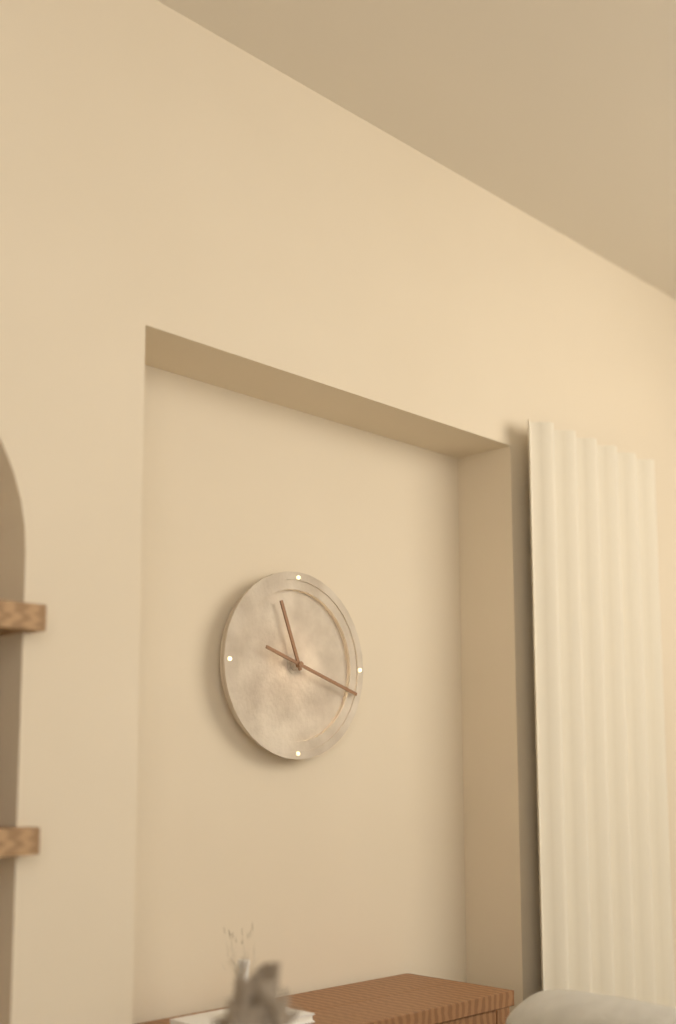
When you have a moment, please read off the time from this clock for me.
11:18
